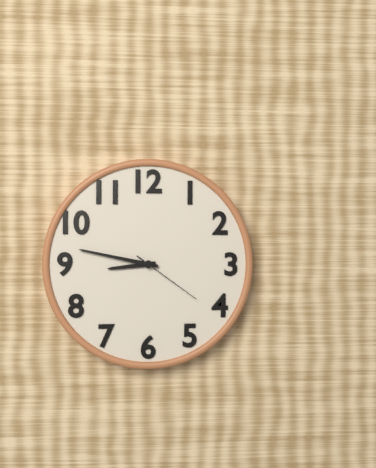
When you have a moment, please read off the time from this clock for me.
8:47:21
